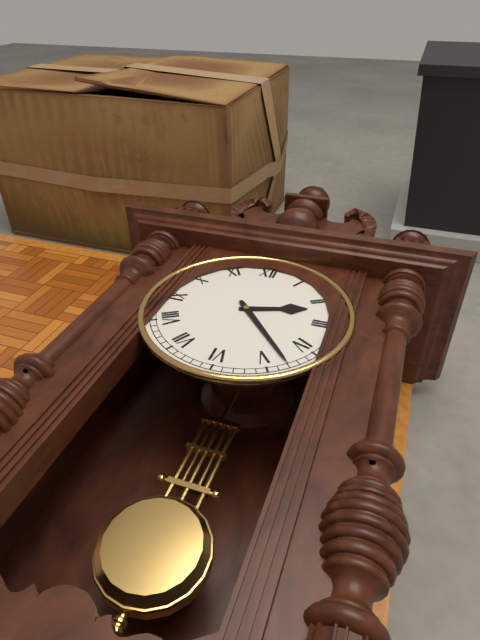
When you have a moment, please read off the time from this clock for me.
2:23
